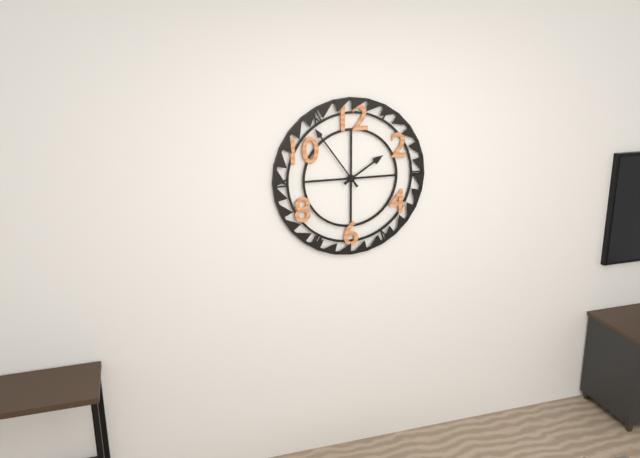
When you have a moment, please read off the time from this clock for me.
1:54
